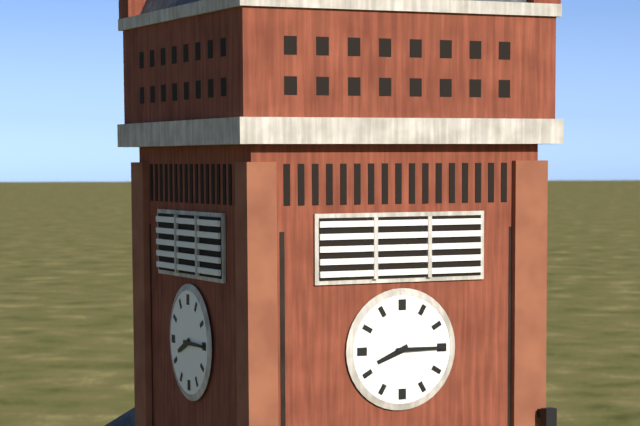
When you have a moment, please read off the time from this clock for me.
8:15
